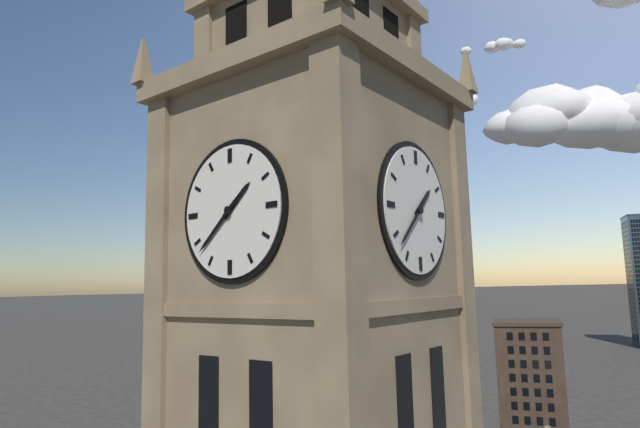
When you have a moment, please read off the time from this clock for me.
1:38
